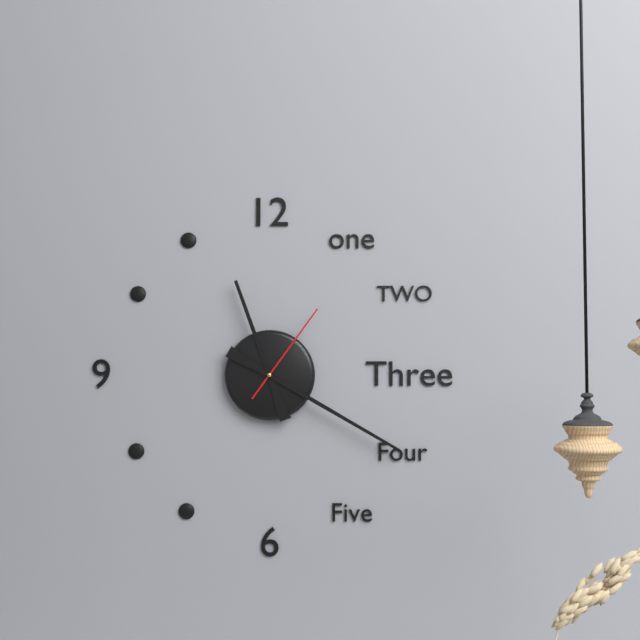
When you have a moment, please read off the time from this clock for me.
11:20:06
